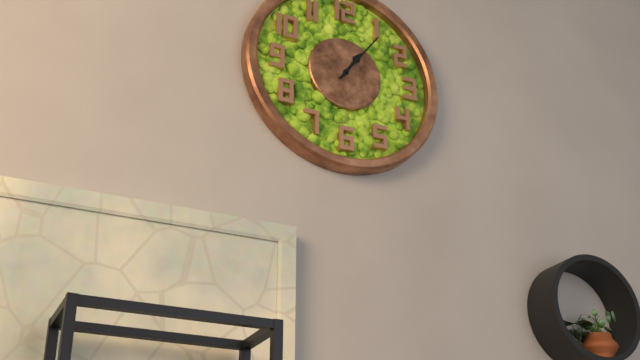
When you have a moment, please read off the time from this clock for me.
1:06
